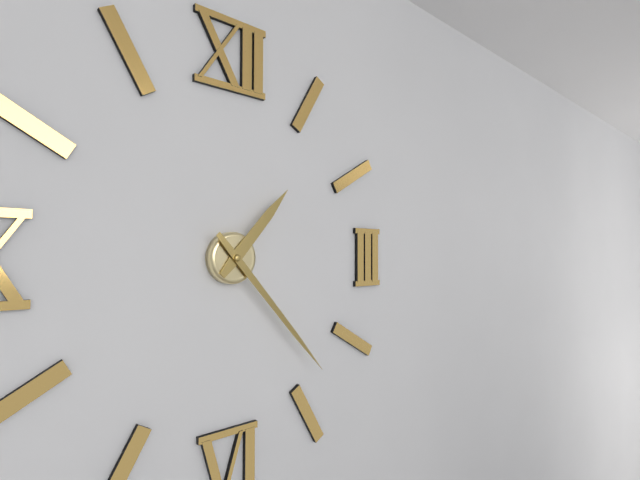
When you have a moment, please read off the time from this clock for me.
1:23
